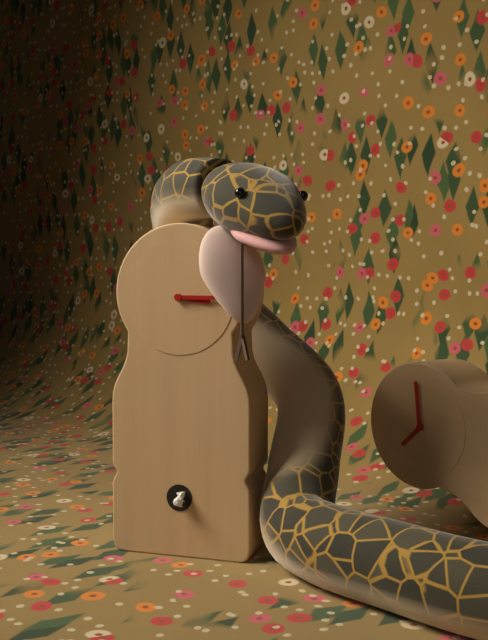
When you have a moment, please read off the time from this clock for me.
3:15
